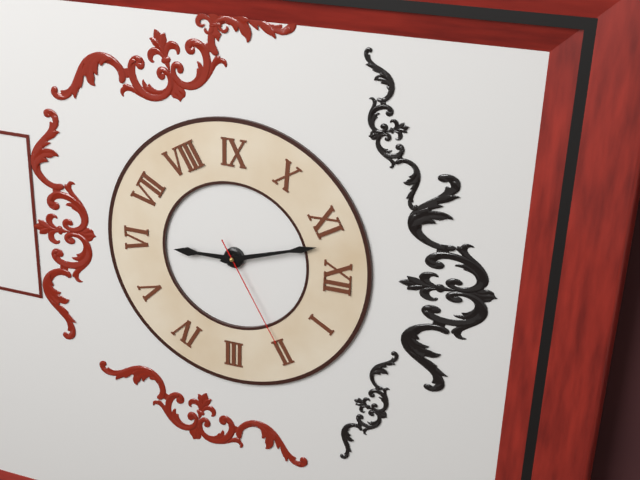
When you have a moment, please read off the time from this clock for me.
5:57:10
